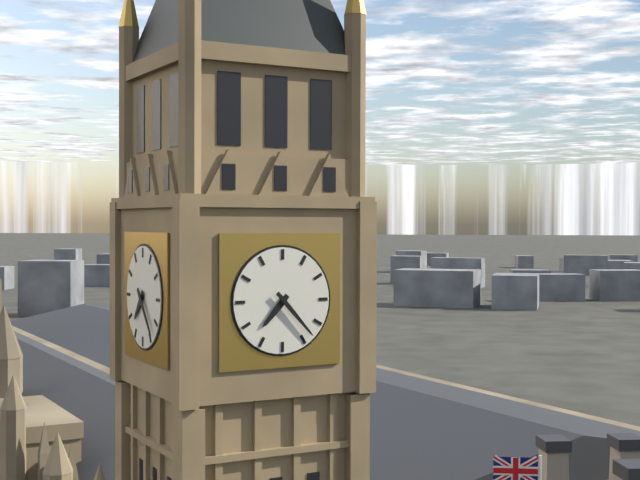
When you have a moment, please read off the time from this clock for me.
7:23
